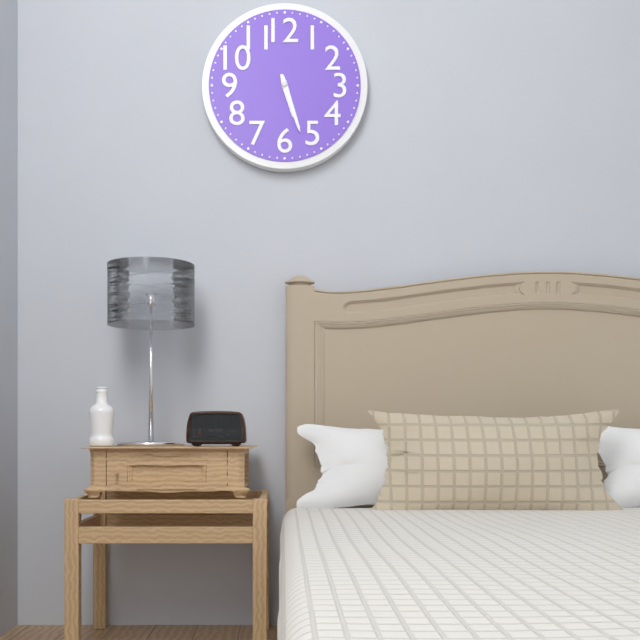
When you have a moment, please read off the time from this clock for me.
5:27
